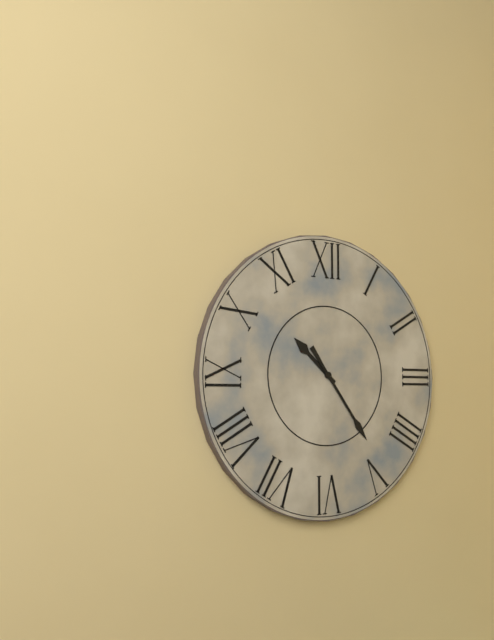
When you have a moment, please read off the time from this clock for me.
10:24
